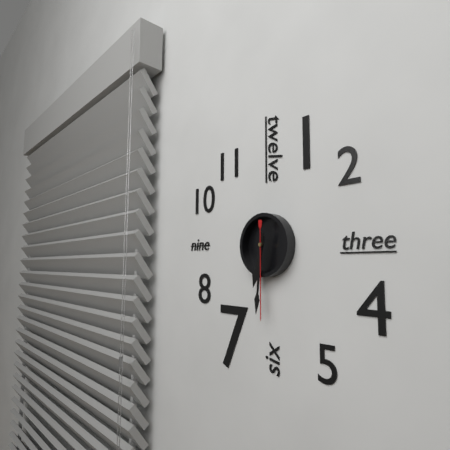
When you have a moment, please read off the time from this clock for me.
6:31:30
